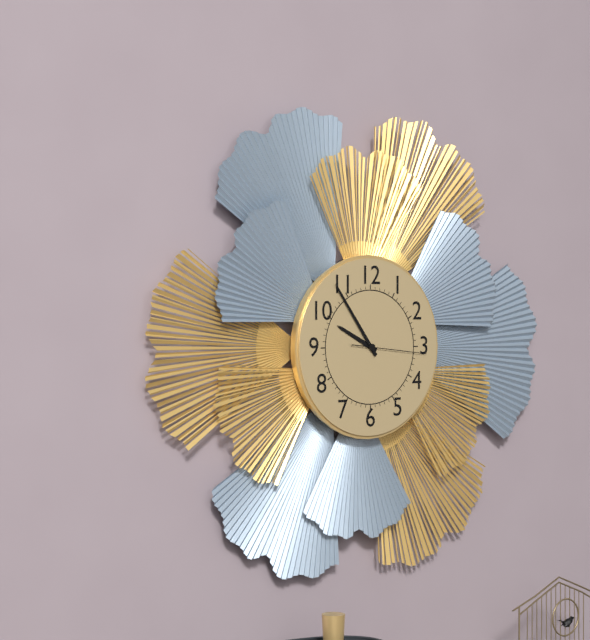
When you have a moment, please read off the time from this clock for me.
9:54:16
